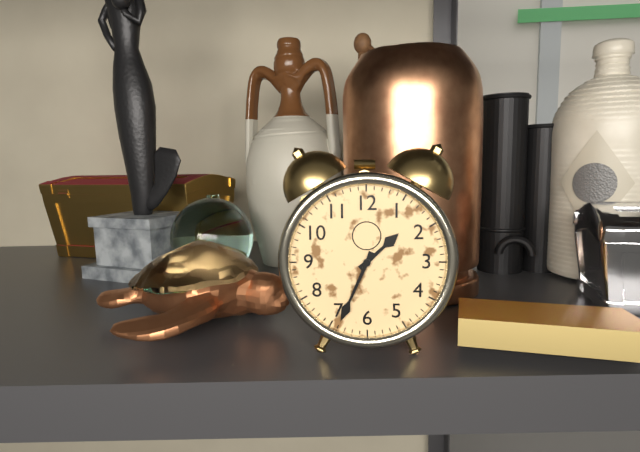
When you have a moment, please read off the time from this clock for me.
1:34
